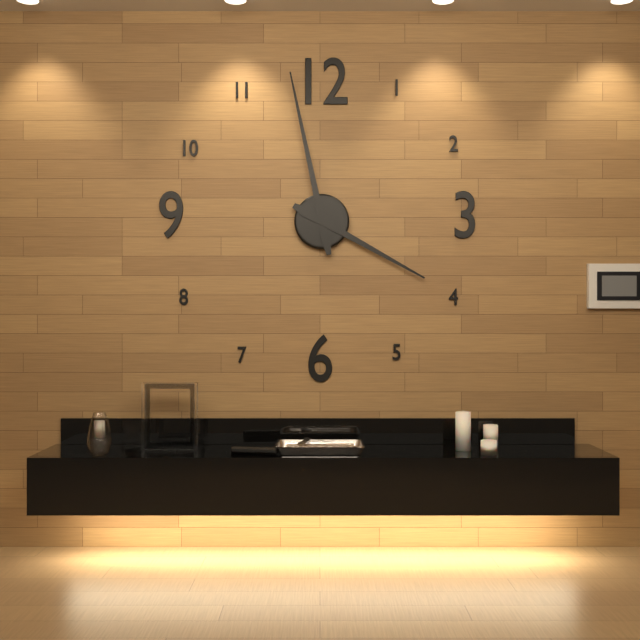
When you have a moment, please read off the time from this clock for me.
3:58
